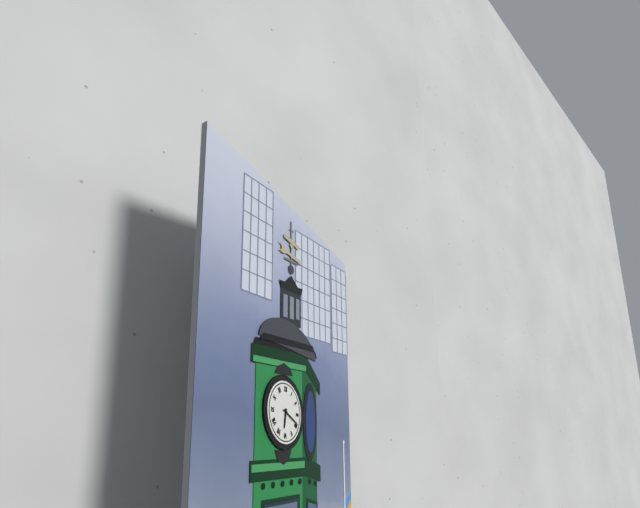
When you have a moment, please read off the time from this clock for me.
6:19
